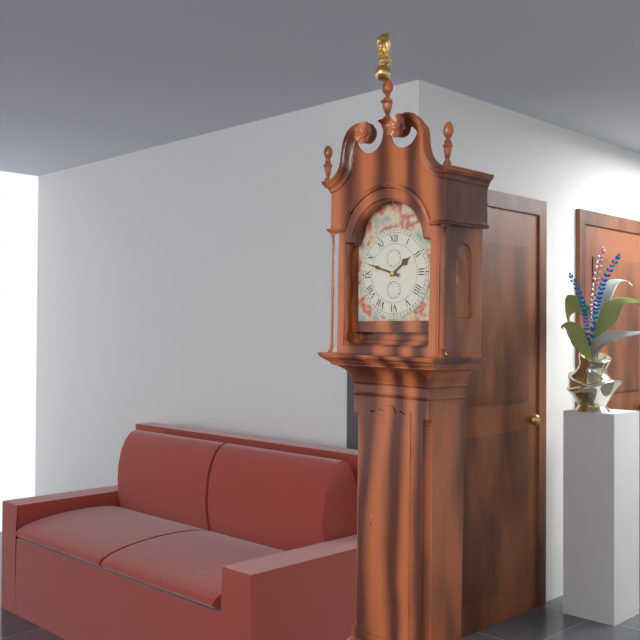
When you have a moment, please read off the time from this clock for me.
1:48
